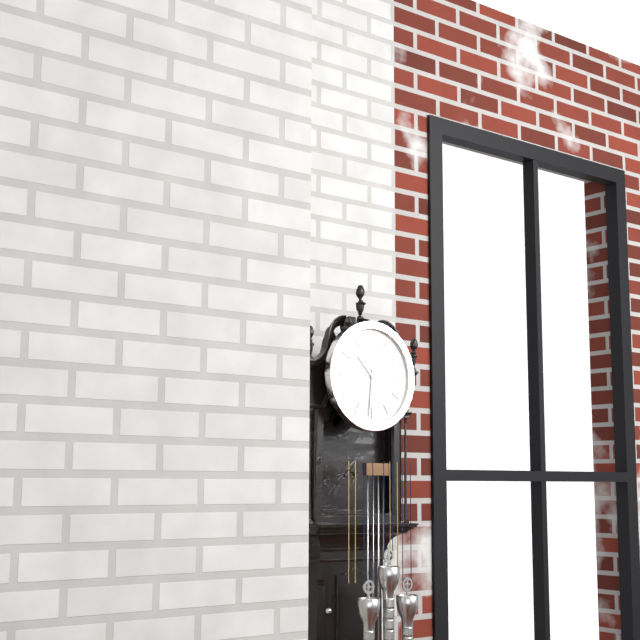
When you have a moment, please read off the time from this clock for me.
10:31
